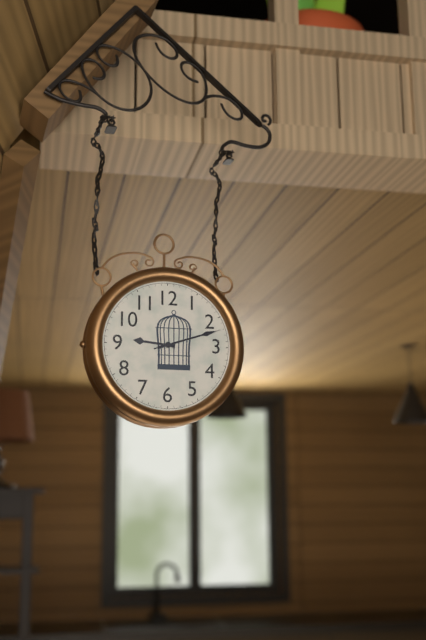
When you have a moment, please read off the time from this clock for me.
9:12:12
